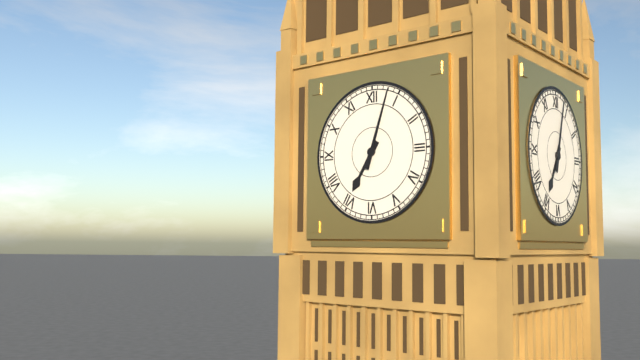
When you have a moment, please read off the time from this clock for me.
7:03
